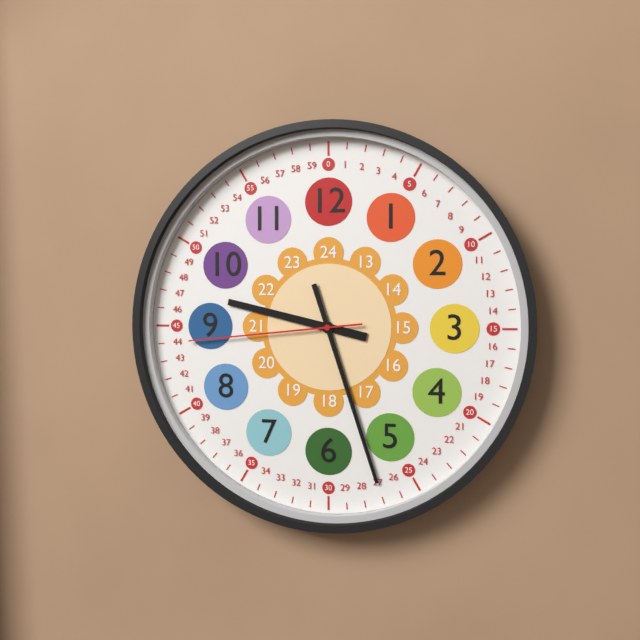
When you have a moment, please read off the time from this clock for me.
9:27:44
